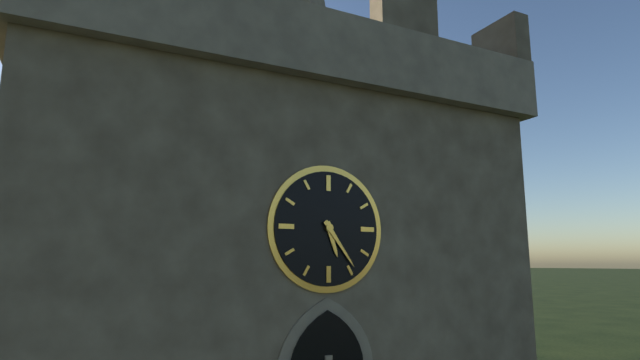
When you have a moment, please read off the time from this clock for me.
5:24
